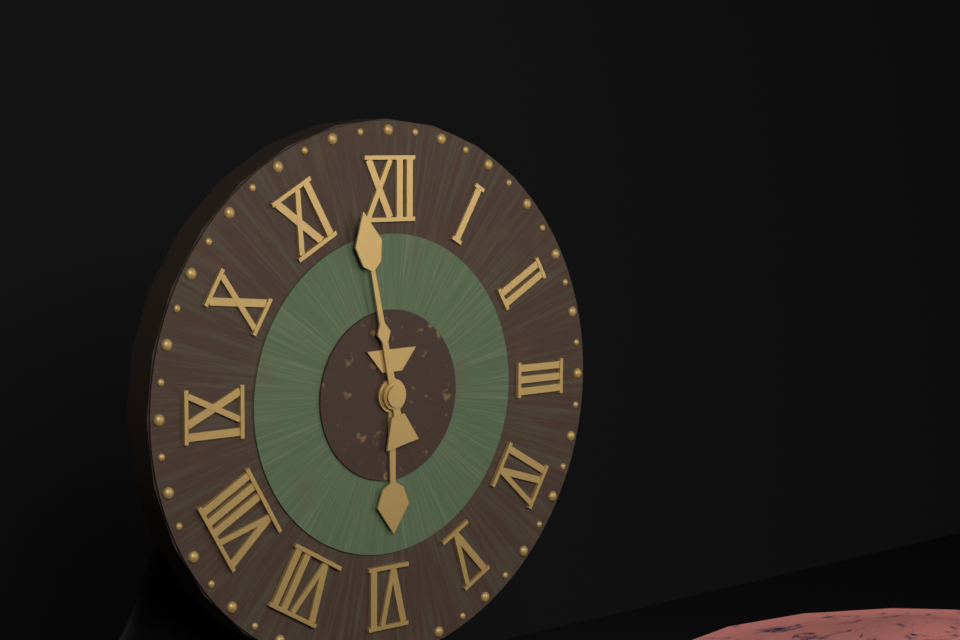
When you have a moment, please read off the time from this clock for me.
5:58
